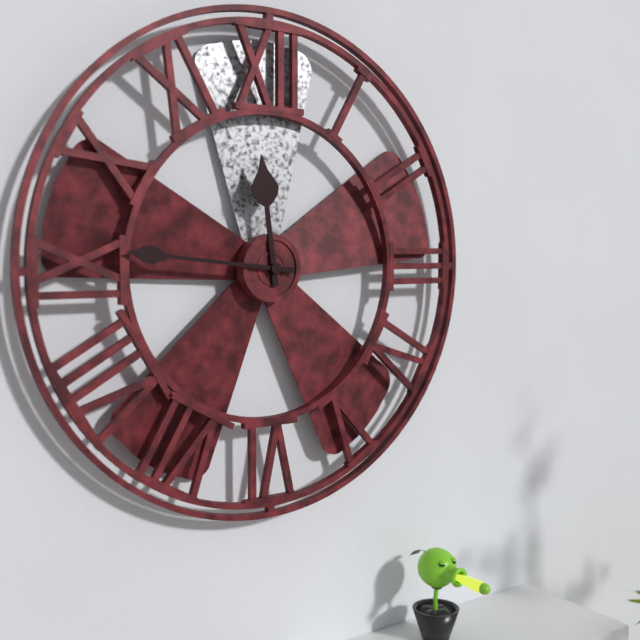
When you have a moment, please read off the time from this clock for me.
11:46
